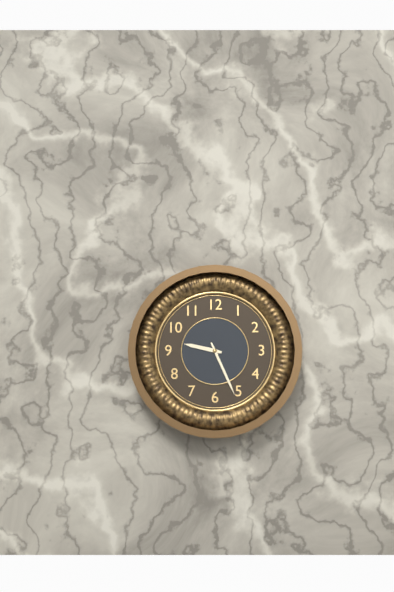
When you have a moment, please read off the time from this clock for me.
9:26
